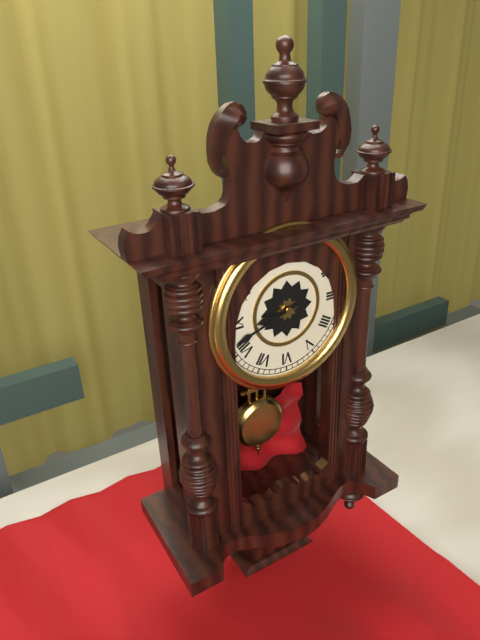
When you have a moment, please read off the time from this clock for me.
8:42
